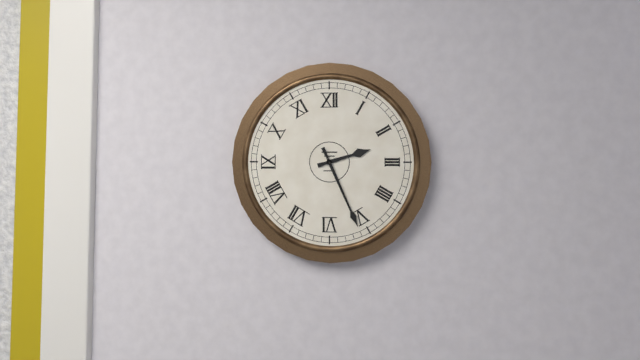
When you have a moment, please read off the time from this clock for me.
2:26
